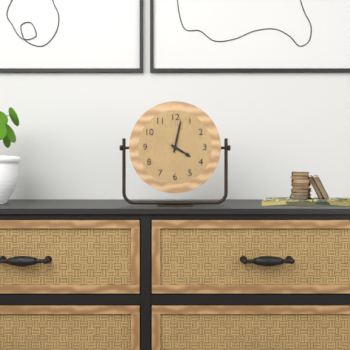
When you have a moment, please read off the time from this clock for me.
4:02
